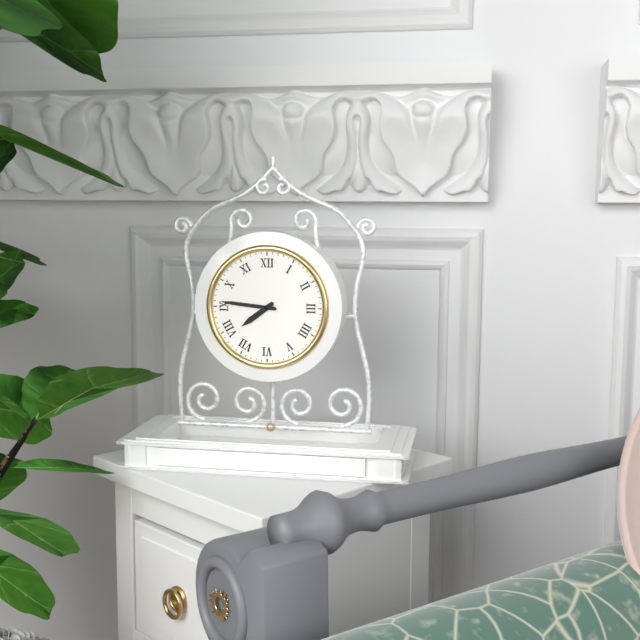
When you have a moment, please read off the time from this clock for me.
7:46
